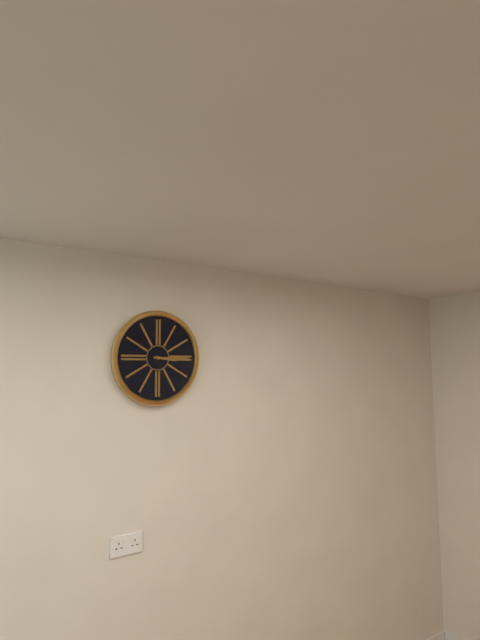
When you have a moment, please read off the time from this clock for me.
3:15
